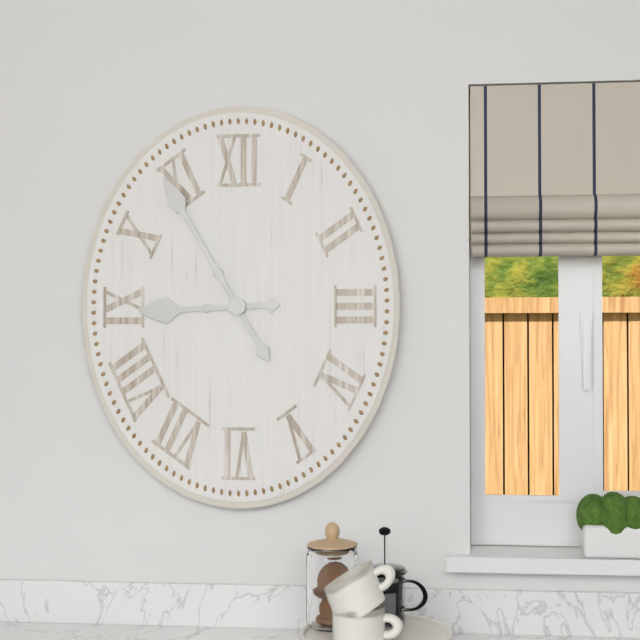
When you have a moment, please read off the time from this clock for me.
8:55
